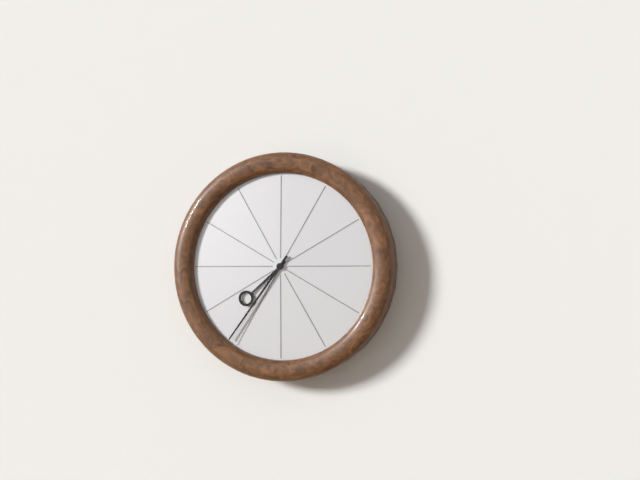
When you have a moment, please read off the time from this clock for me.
7:36
